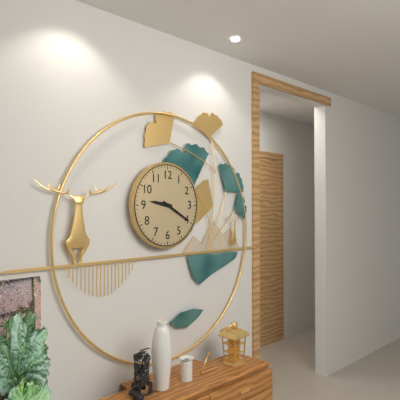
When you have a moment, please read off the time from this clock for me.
9:20
